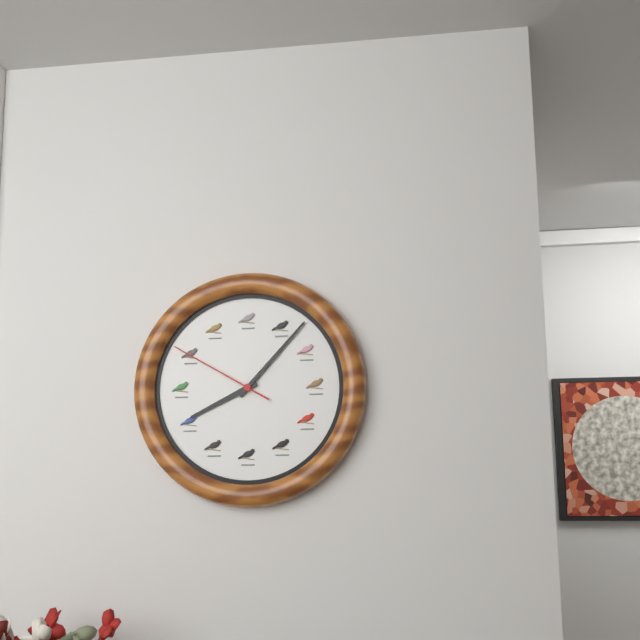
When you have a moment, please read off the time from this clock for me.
8:07:50
